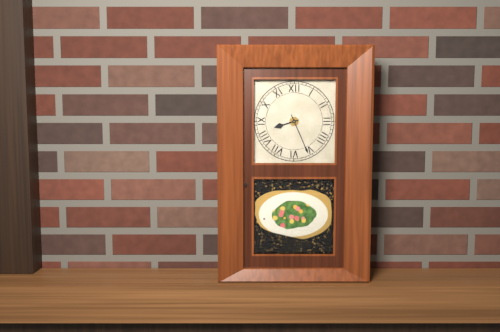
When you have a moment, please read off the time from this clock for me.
8:26
